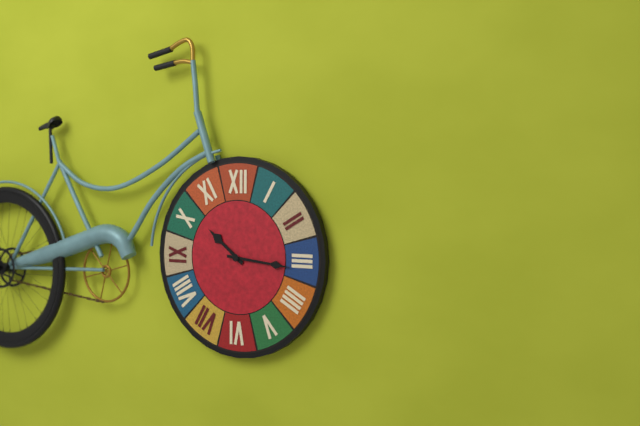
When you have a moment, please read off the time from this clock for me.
10:16
